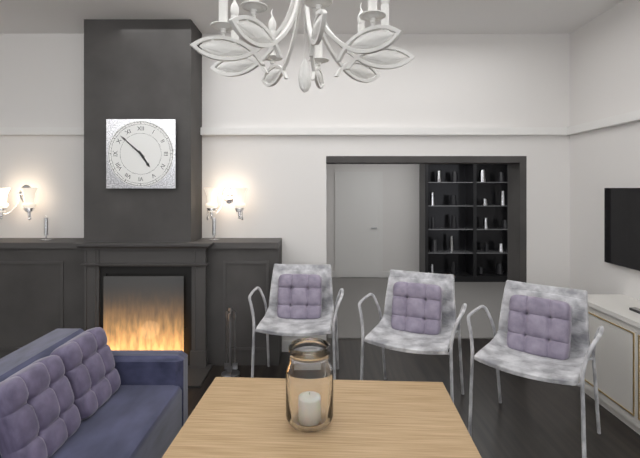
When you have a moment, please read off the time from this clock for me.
4:52
